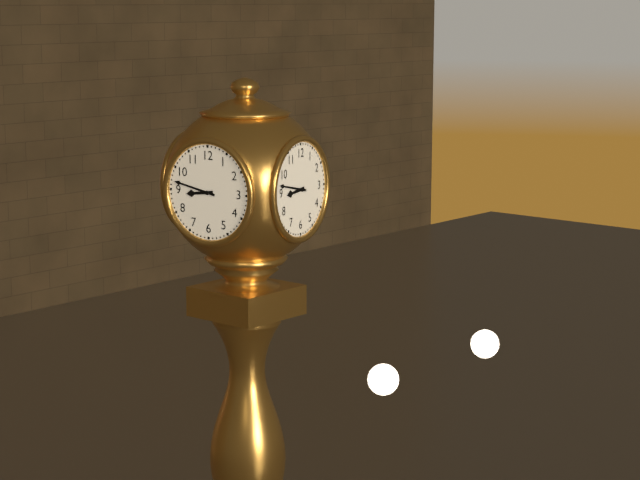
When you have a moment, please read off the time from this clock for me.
8:47
